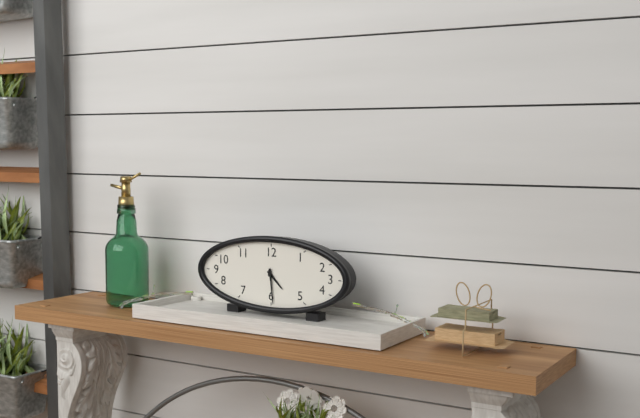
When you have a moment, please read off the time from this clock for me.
4:29
